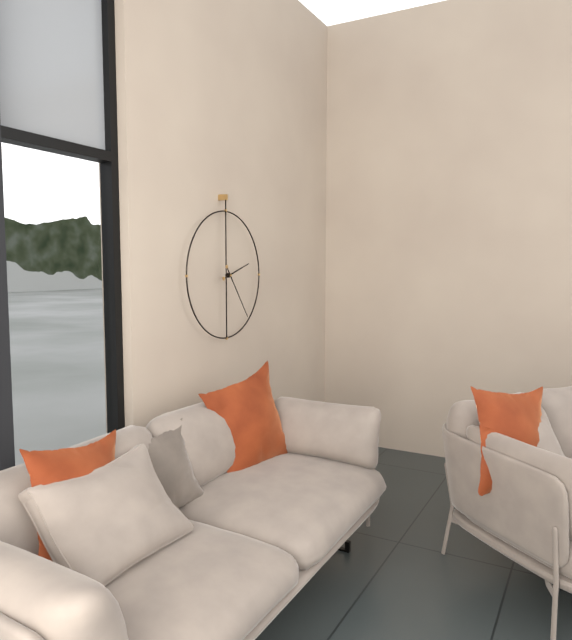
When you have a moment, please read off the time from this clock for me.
2:24
